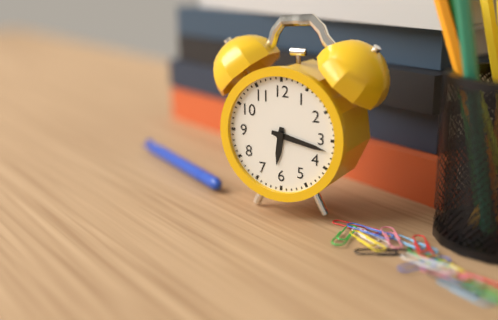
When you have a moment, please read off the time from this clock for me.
6:17
